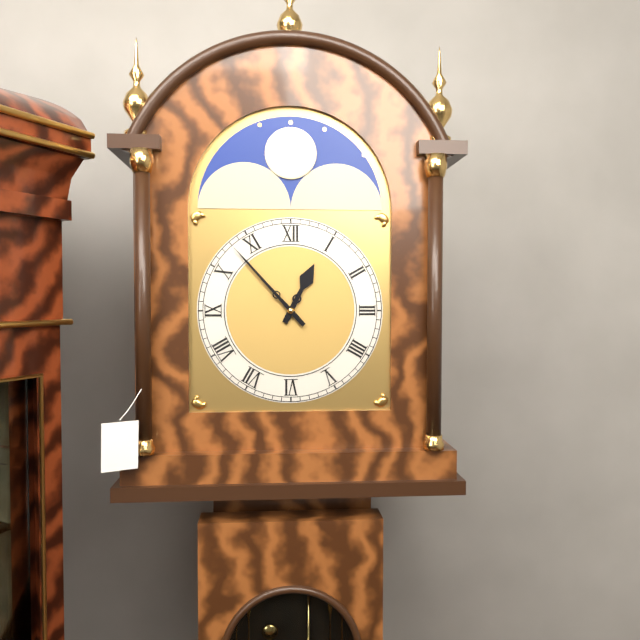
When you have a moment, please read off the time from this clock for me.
12:53
